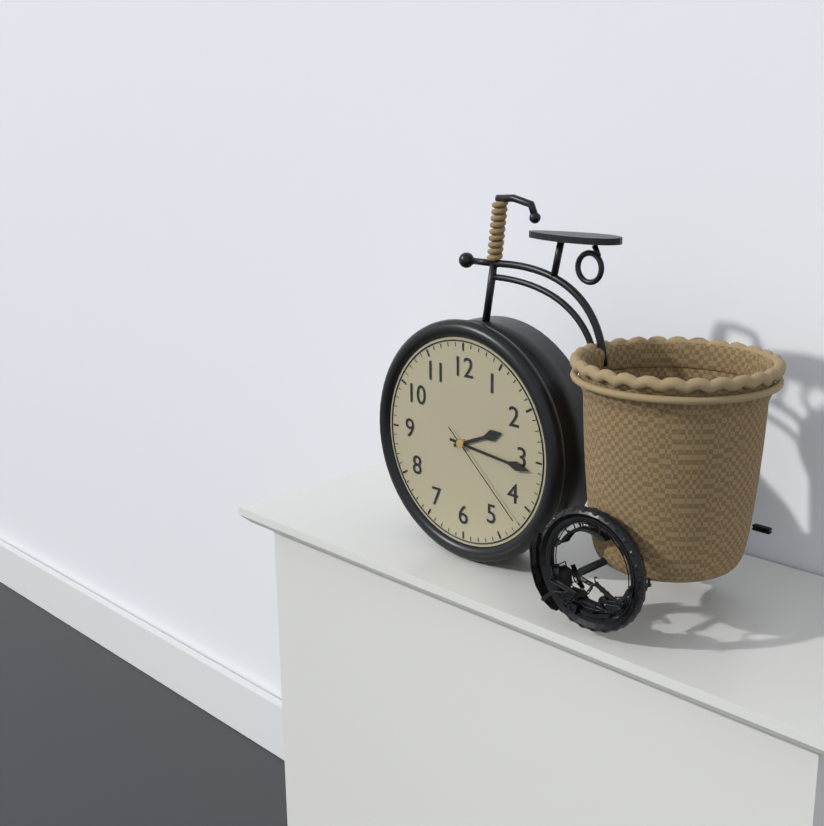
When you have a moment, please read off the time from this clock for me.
2:16:22
